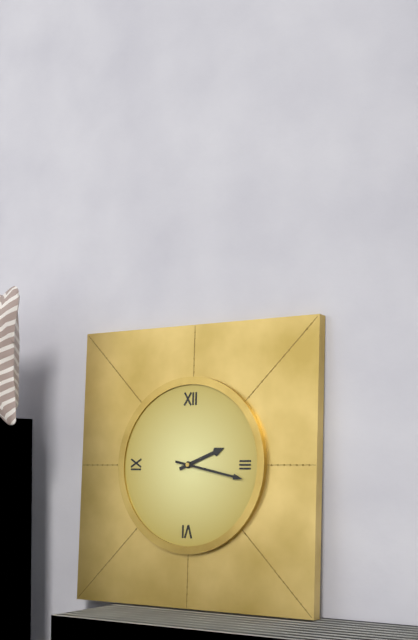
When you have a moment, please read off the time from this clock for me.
2:17
